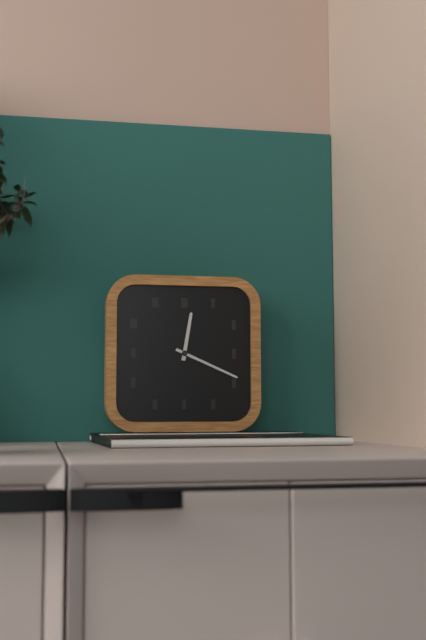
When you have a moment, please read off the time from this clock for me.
12:19
